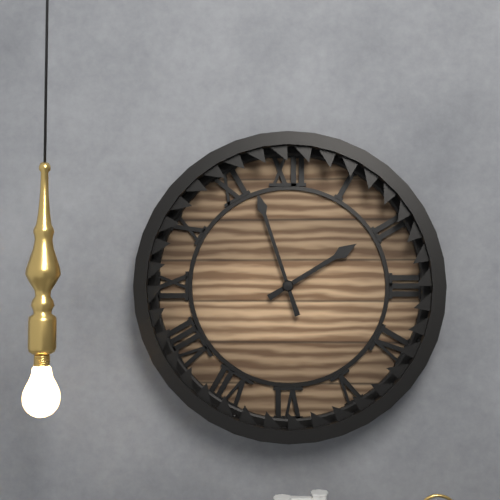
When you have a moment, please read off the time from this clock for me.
1:57
